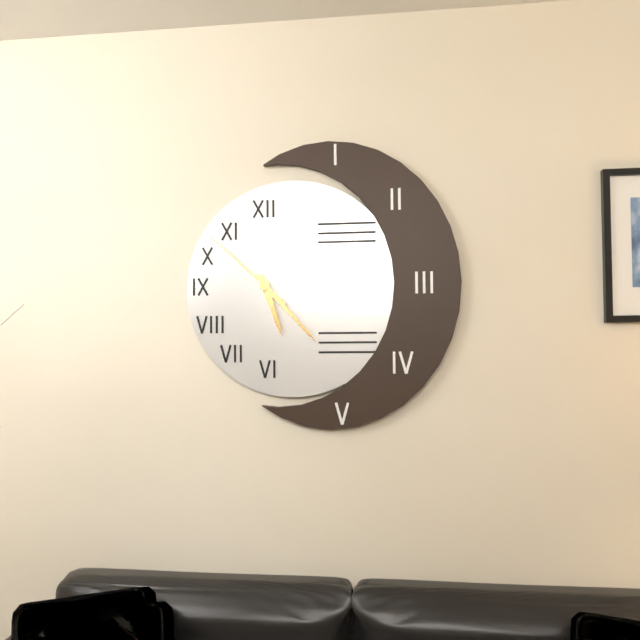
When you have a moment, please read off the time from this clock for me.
5:23:52
